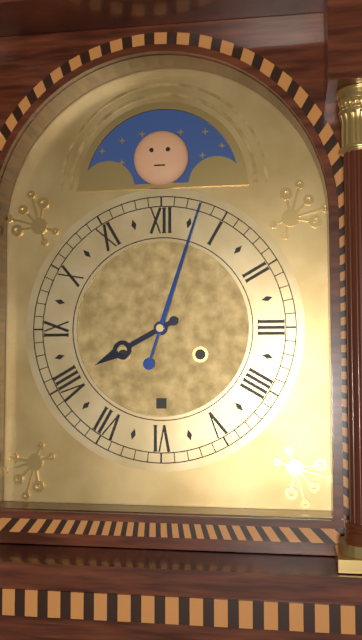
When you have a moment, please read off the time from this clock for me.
8:03
